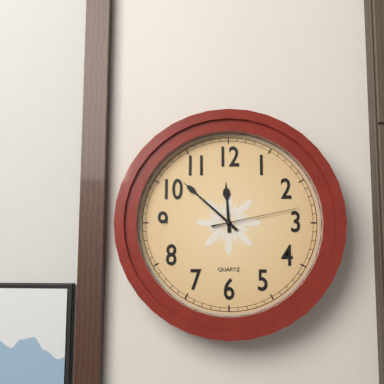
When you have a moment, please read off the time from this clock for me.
11:52:13
